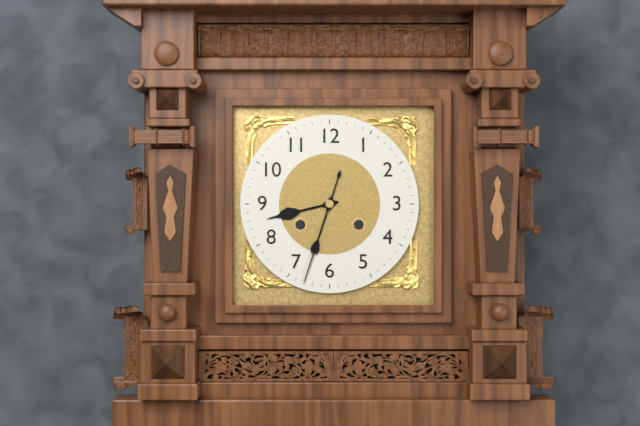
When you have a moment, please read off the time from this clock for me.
8:33
